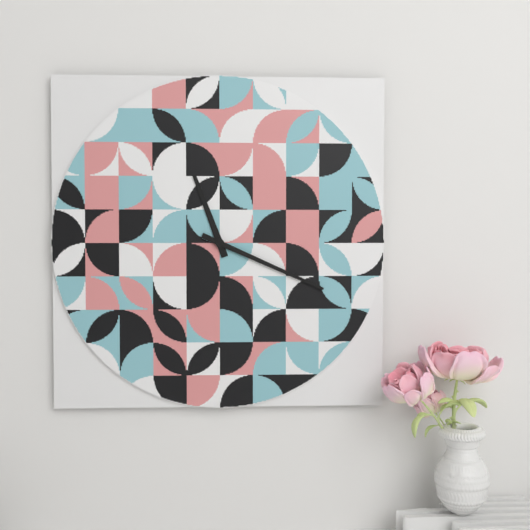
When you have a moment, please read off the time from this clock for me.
11:19
